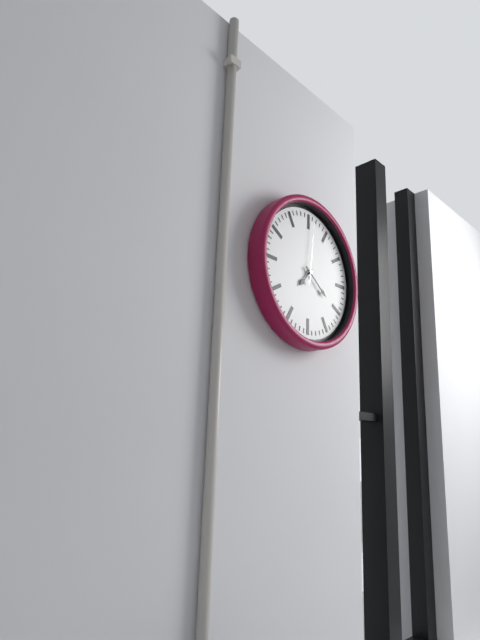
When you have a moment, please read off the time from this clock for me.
7:21:01
